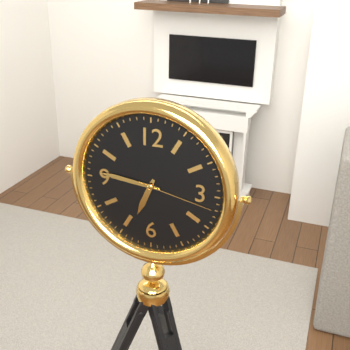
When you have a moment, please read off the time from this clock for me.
6:46:17
